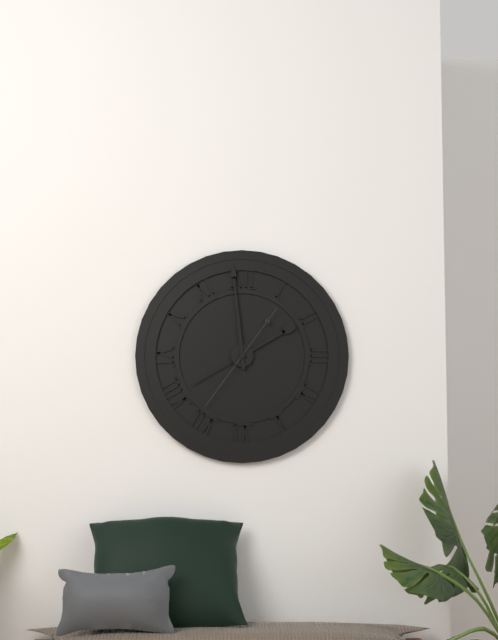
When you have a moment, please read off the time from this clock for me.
1:59:36
